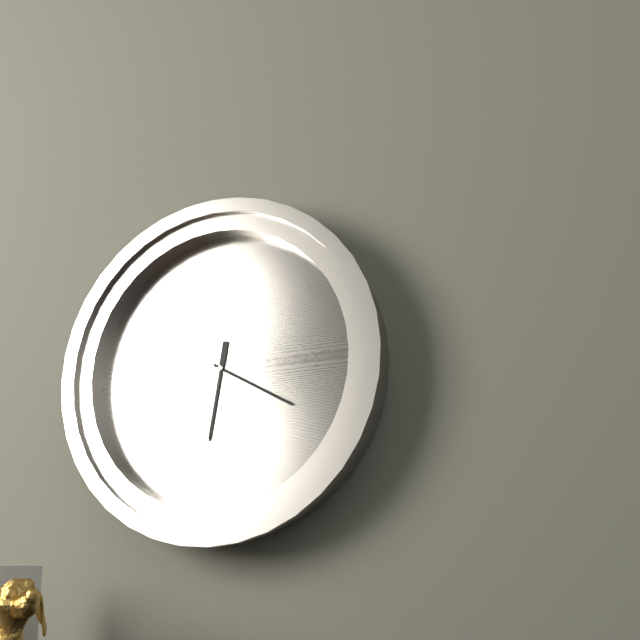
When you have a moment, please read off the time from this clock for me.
6:20
